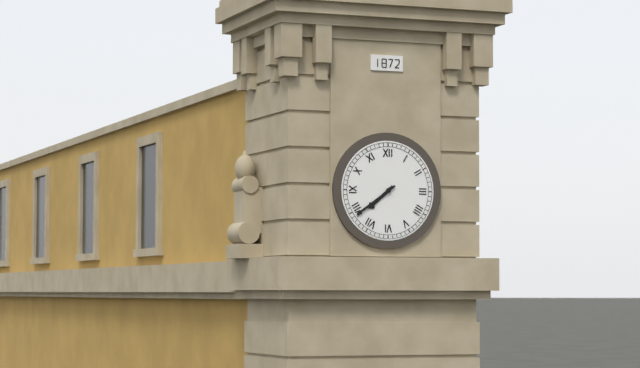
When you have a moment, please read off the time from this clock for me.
7:39
